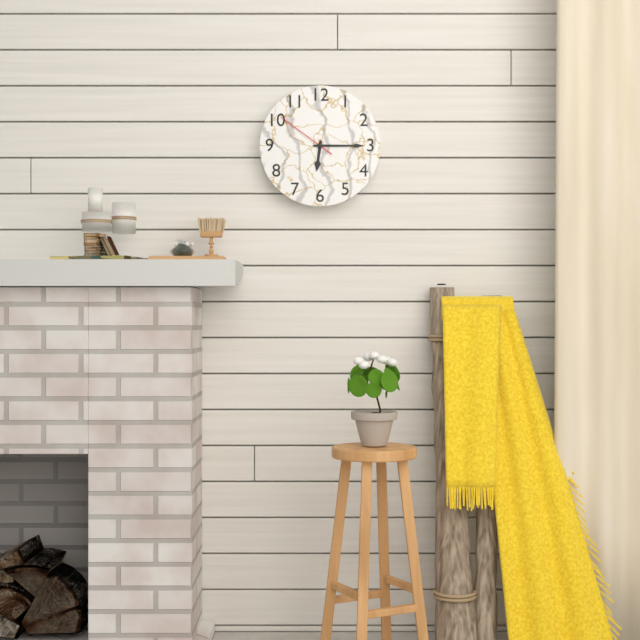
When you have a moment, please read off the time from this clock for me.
6:15:51
